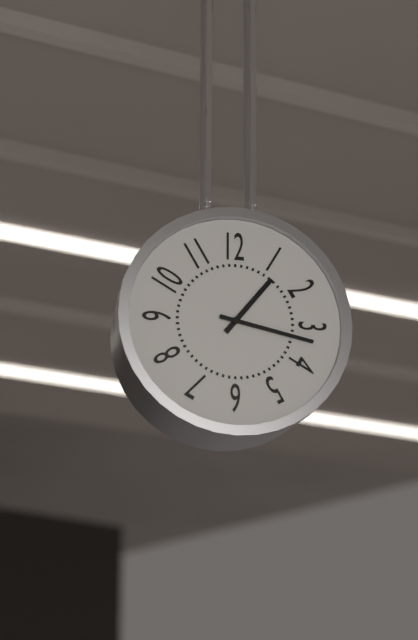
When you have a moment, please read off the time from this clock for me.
1:17
